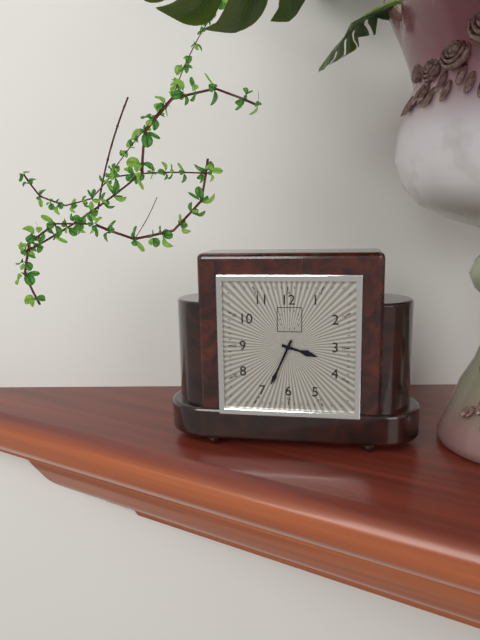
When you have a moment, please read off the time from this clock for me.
3:34
